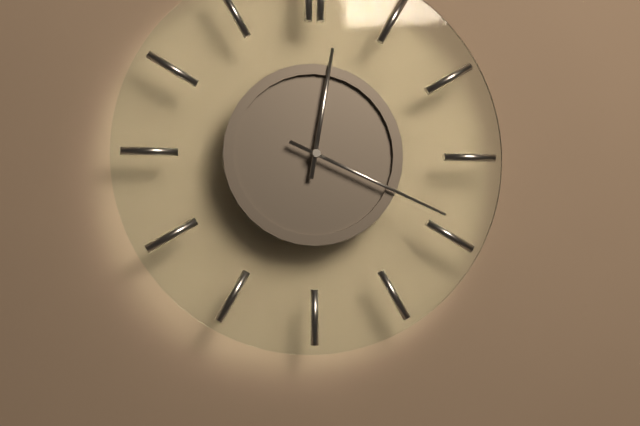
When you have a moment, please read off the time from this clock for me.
12:19
